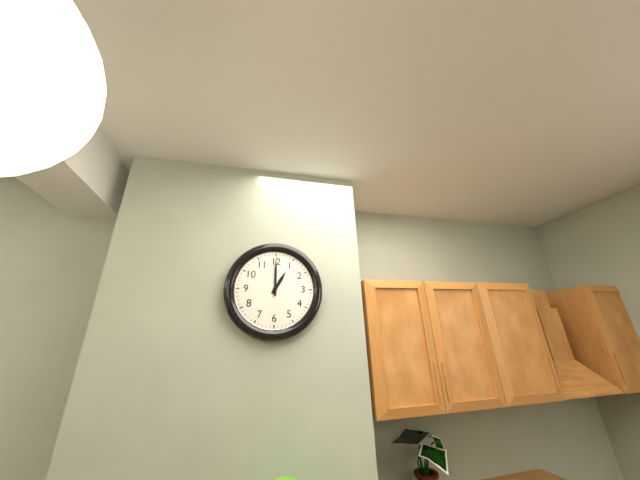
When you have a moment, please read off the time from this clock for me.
1:00
